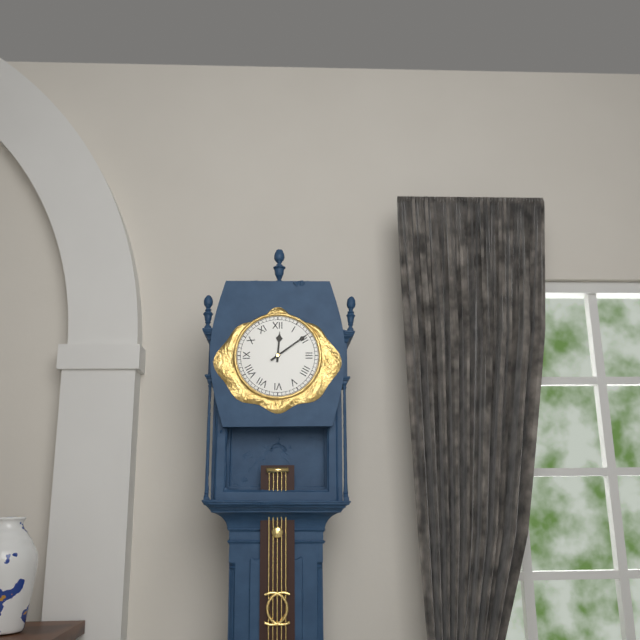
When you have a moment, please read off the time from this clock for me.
12:09
